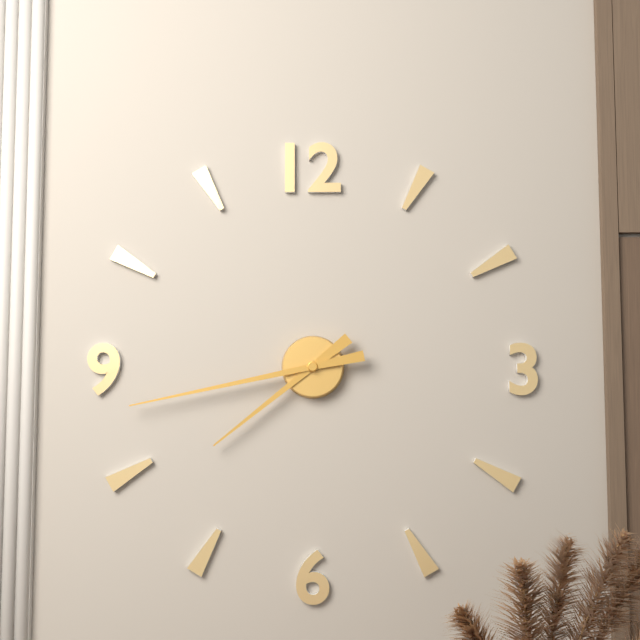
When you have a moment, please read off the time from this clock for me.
7:43
